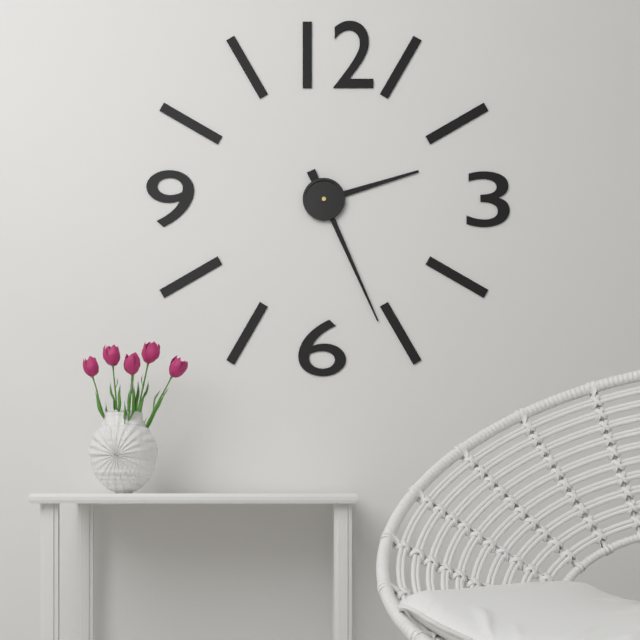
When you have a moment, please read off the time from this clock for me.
2:26
